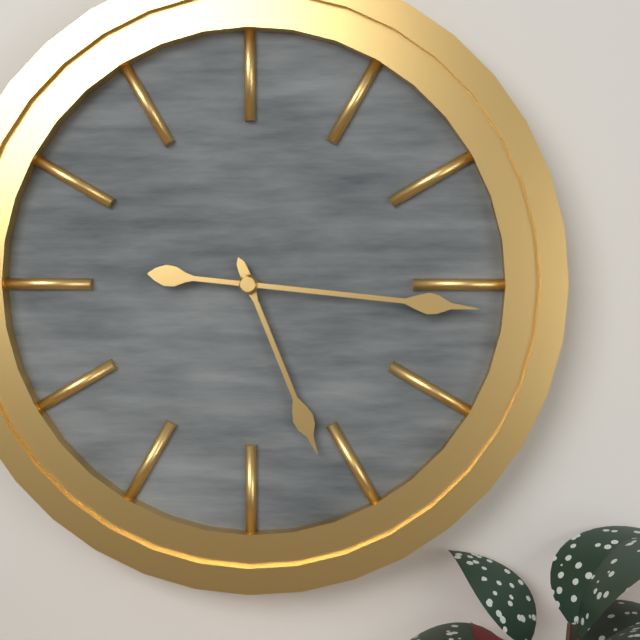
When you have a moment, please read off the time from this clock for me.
5:16
